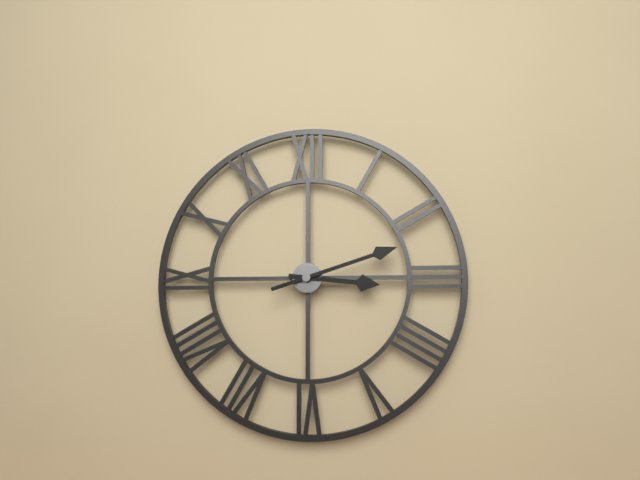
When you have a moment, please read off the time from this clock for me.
3:12
